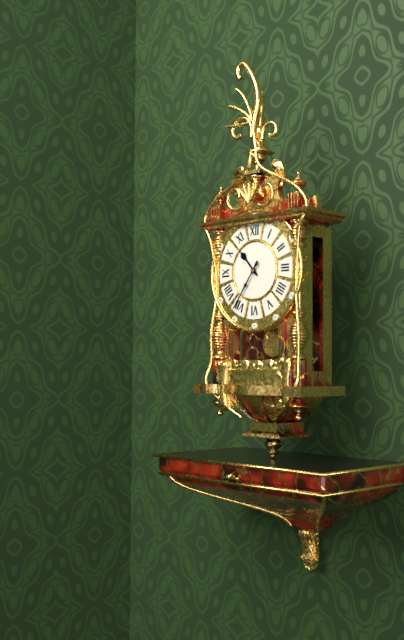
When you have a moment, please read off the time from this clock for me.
10:36
